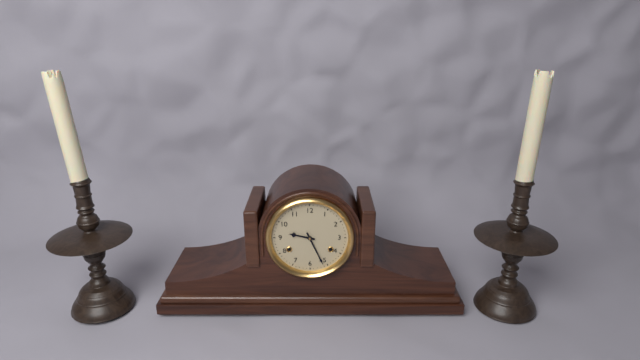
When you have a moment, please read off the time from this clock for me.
9:26
